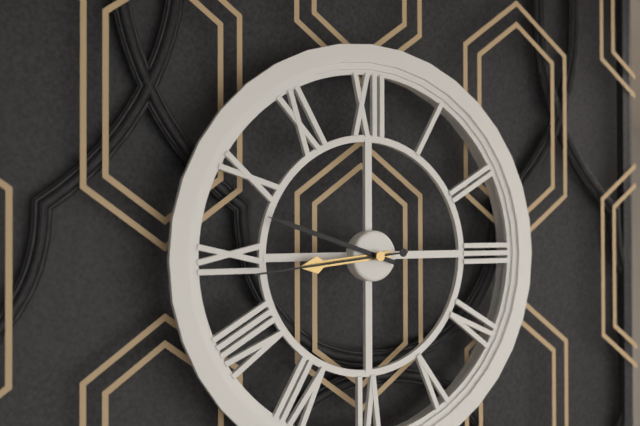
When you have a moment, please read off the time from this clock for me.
8:48:44
